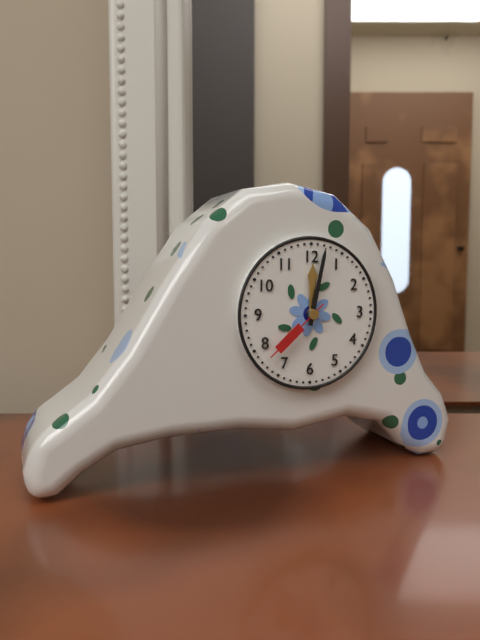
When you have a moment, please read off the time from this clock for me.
12:02:38
